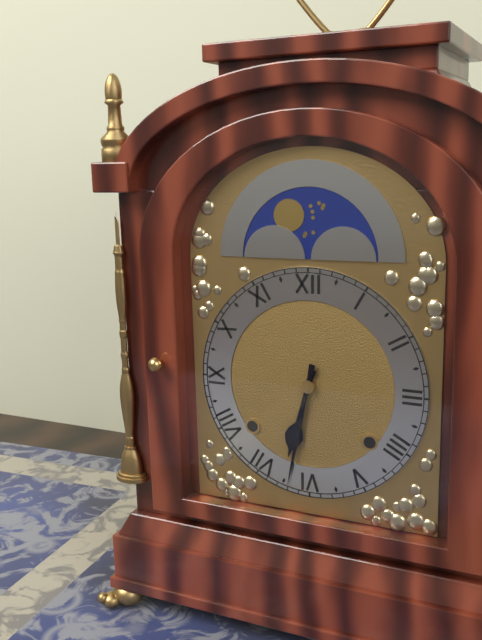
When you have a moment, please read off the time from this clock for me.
6:32
